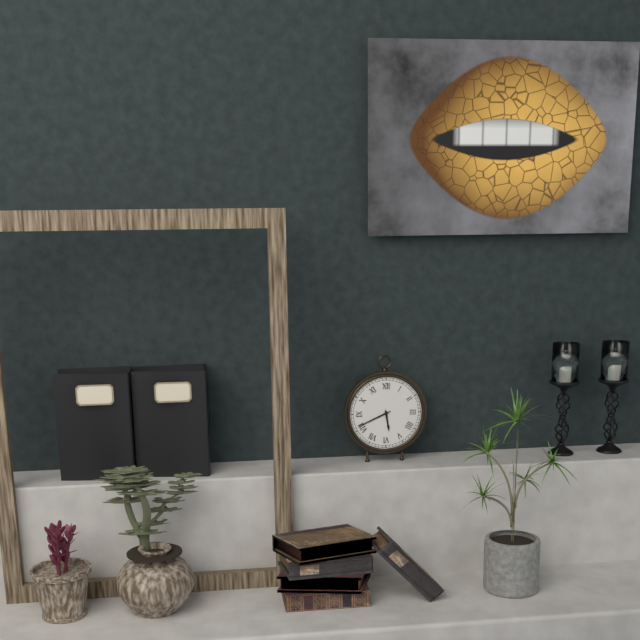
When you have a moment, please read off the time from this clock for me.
5:41
